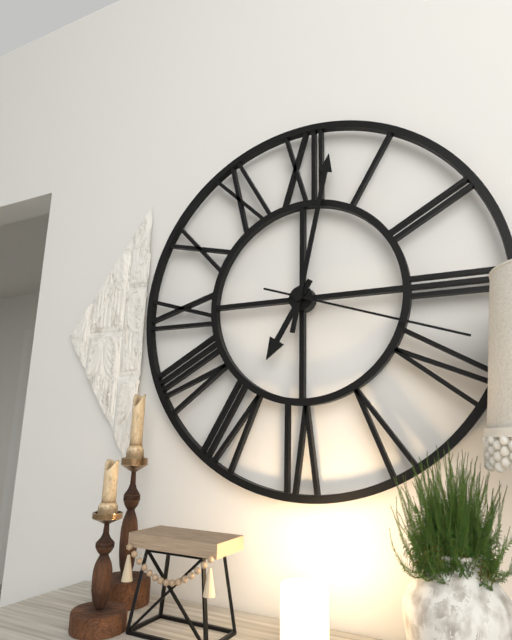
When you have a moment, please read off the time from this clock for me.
7:02:18
